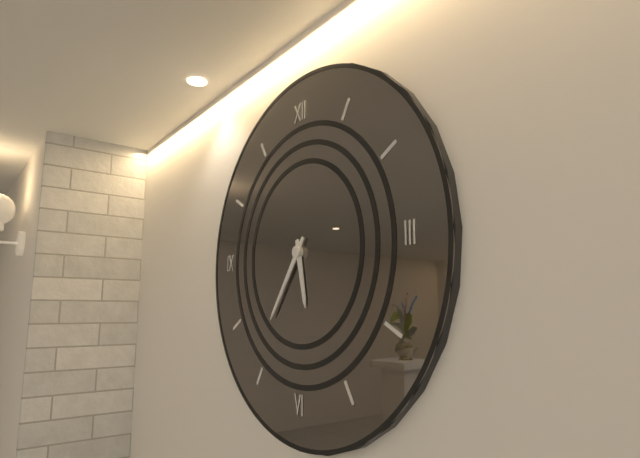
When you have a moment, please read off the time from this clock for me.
5:36
